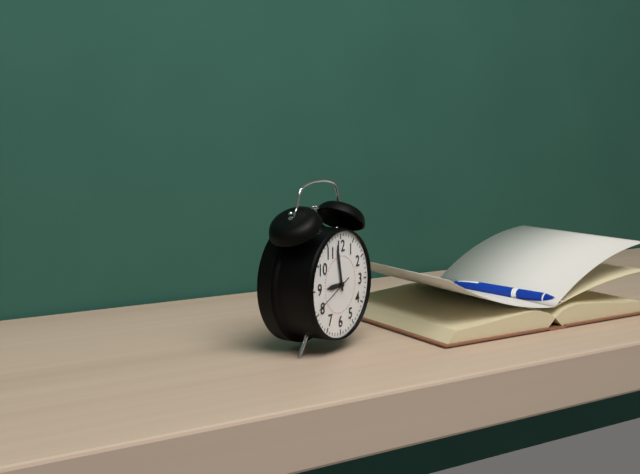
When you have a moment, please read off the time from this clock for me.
8:58
